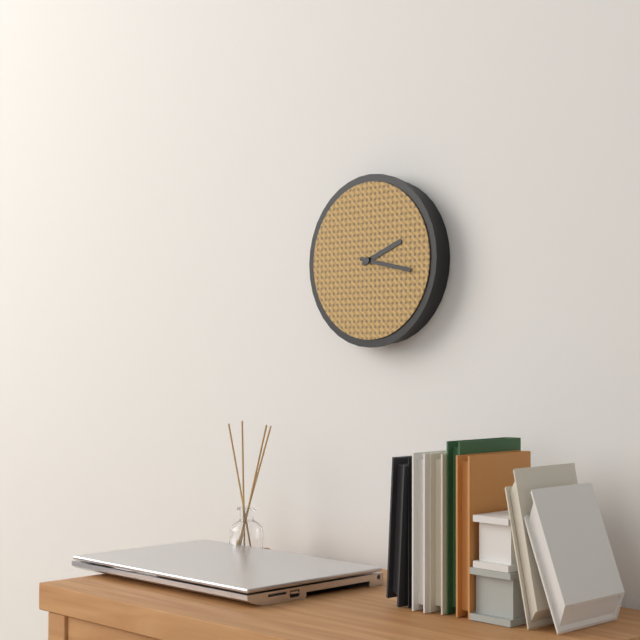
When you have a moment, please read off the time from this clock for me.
2:17
